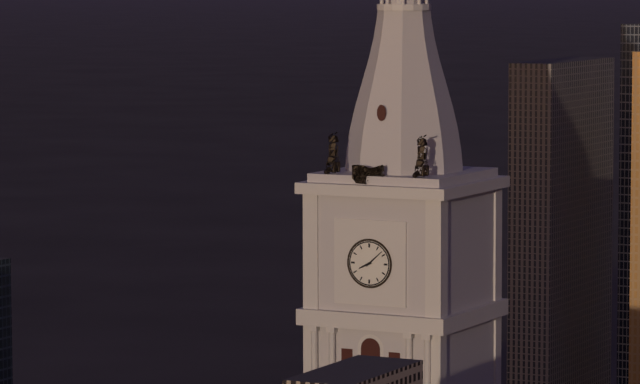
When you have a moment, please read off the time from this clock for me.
8:08
